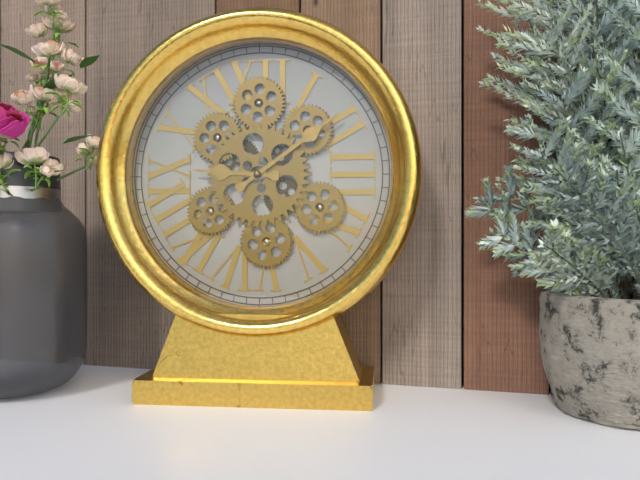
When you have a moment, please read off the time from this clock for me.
9:09
